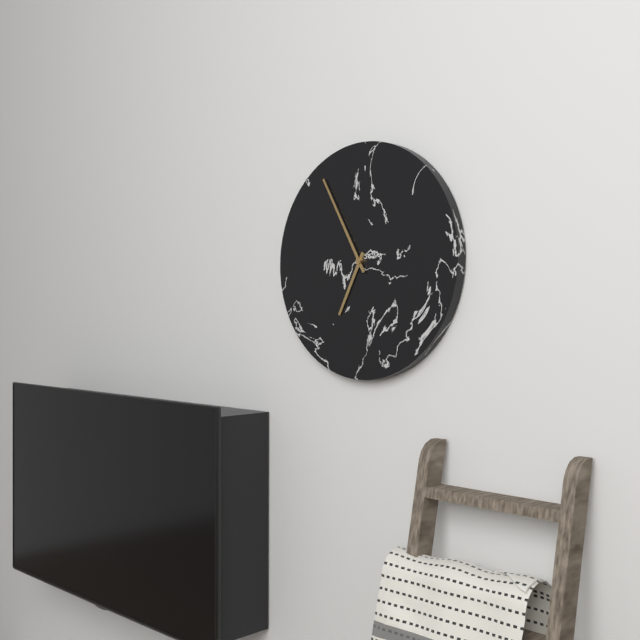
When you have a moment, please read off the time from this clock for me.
6:55
